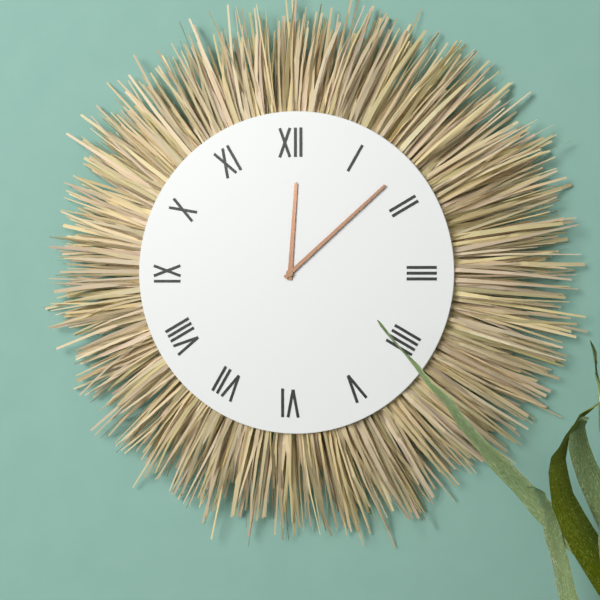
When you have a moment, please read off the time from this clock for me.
12:08
